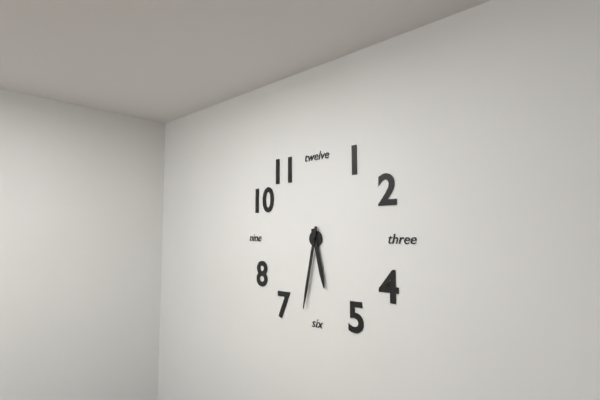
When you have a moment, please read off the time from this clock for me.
5:32
